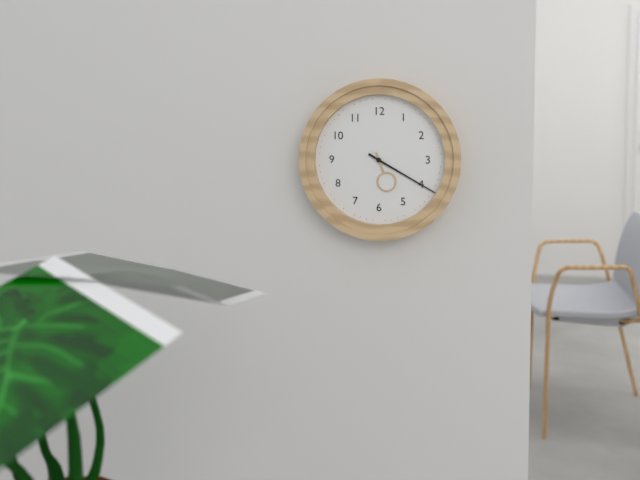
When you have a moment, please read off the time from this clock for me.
5:20
